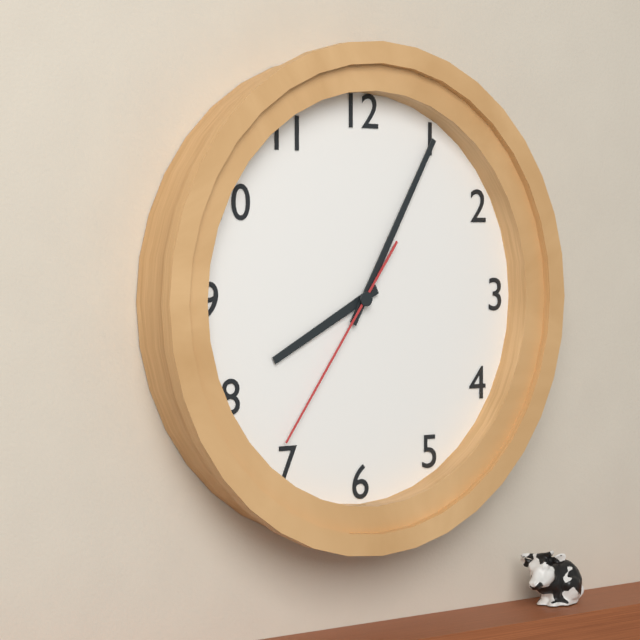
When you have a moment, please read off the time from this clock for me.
8:05:36
